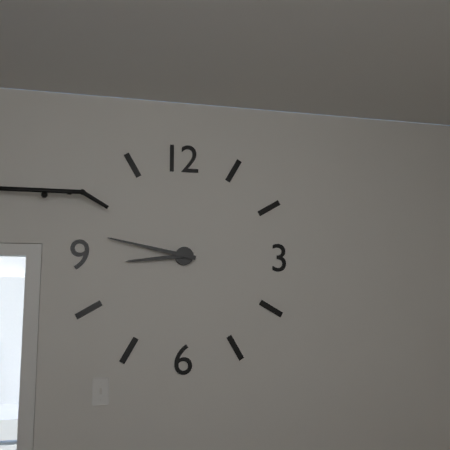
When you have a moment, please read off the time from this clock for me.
8:47
